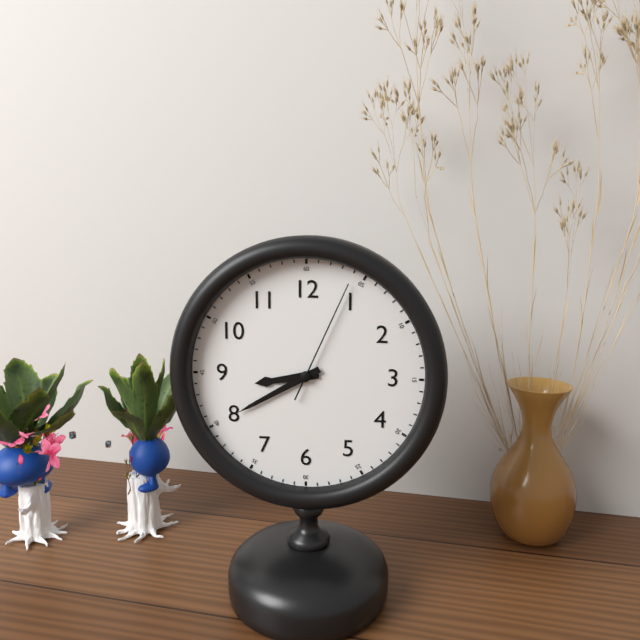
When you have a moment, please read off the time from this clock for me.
8:40:04
